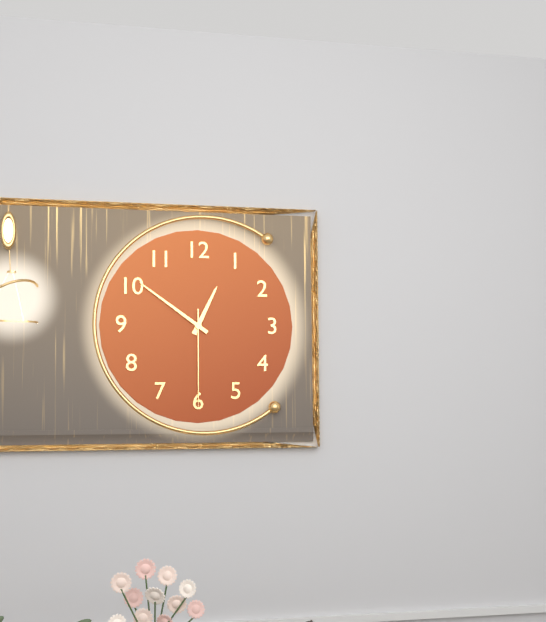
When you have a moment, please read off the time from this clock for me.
12:51:30
